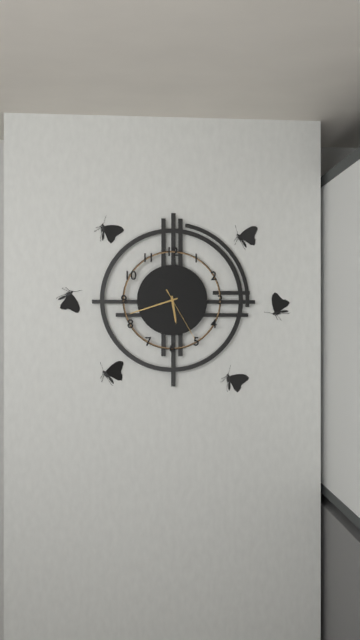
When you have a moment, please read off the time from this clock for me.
5:42:25
